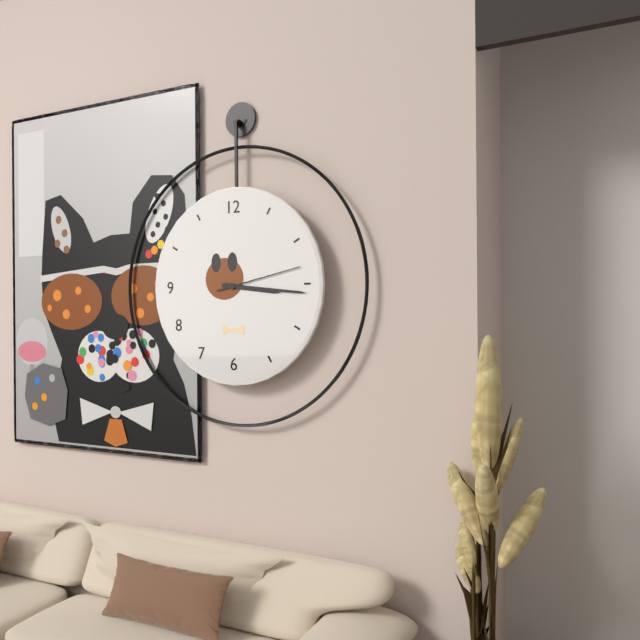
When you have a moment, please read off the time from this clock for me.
3:16:13
